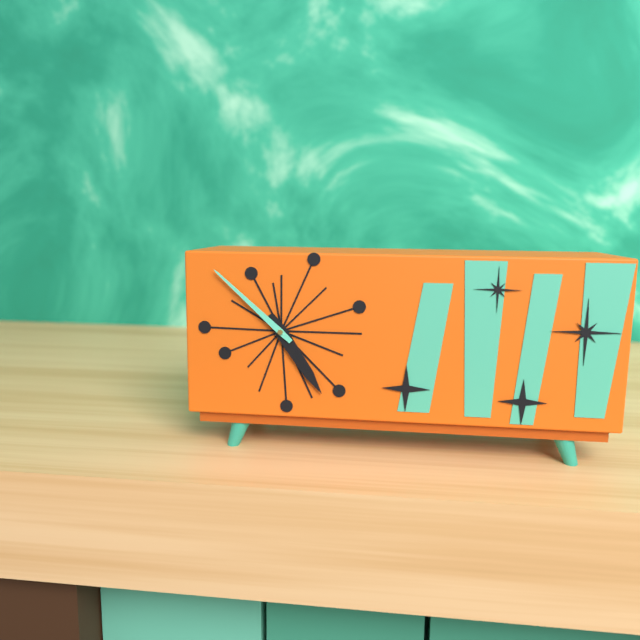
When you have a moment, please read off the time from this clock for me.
4:52
